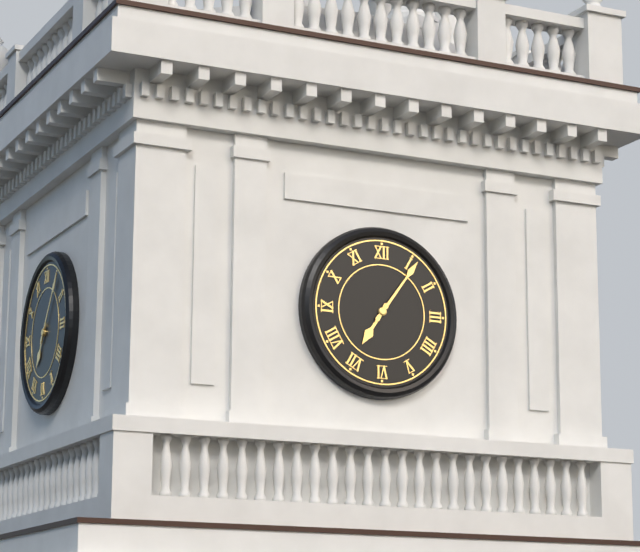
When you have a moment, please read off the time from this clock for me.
7:06
